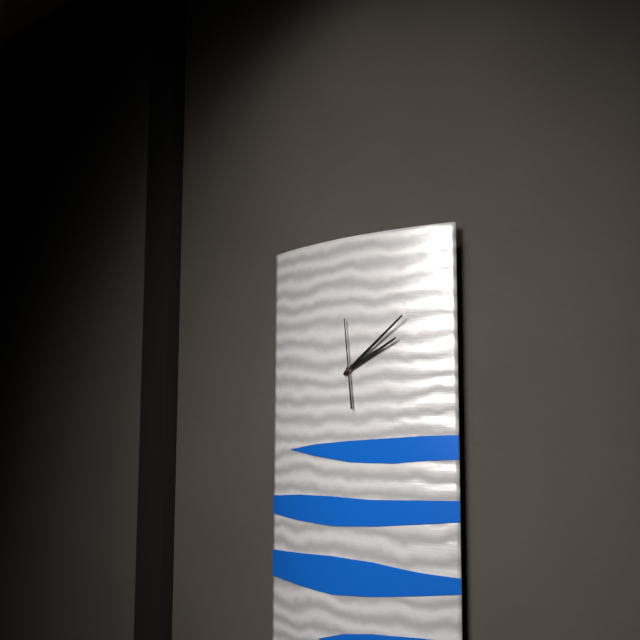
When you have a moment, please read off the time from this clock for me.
2:09:59
